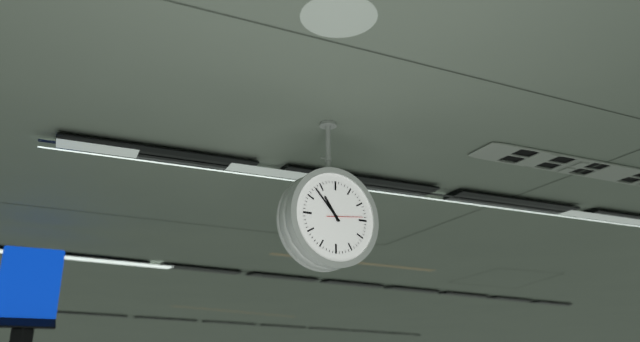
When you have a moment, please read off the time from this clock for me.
10:53
